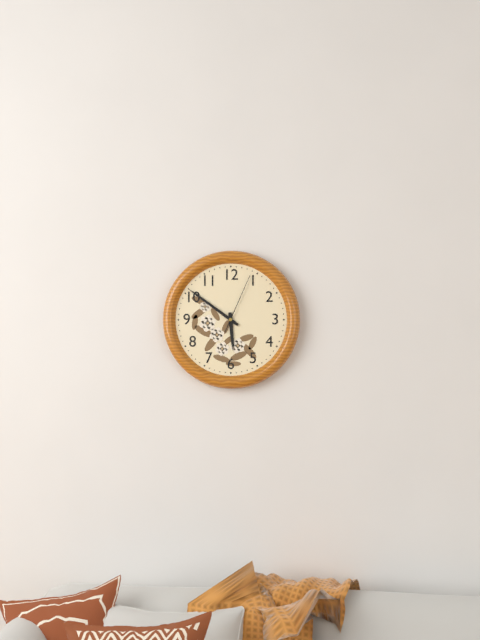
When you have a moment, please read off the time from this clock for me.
5:51:04
